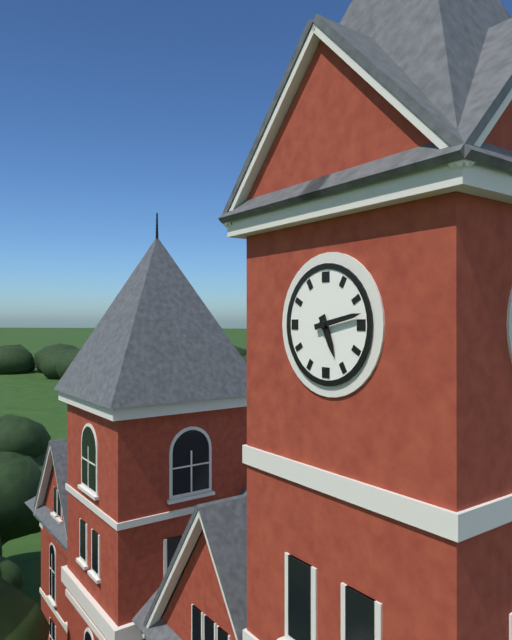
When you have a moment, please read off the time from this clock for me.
5:13
